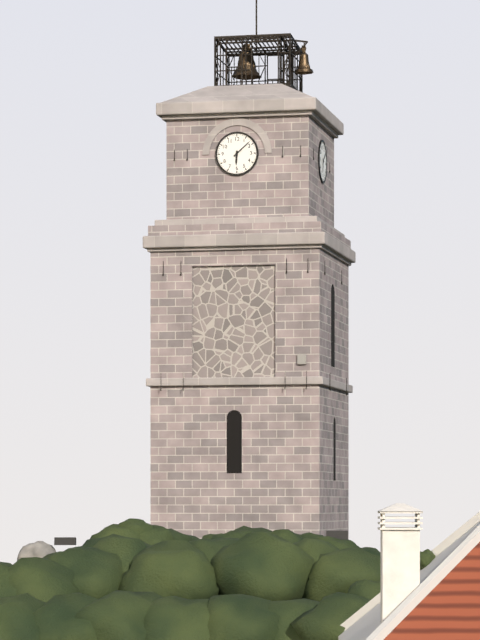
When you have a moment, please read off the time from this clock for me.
6:08
